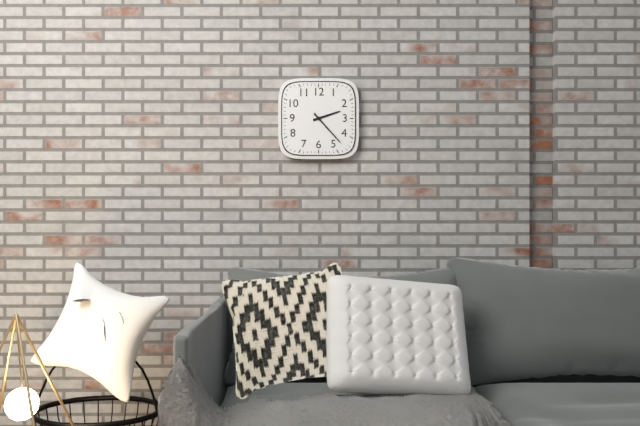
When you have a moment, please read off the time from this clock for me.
2:23
